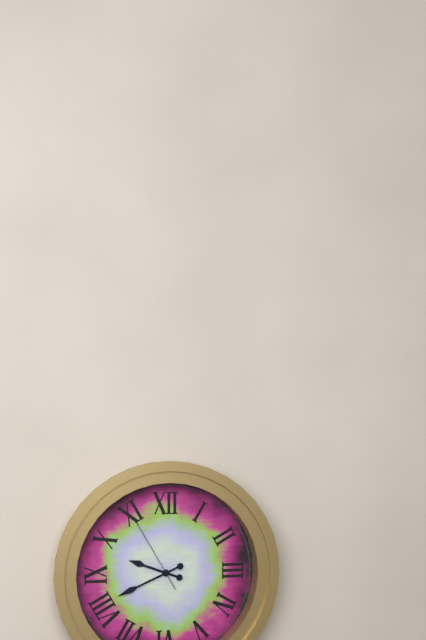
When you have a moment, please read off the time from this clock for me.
9:41:55
